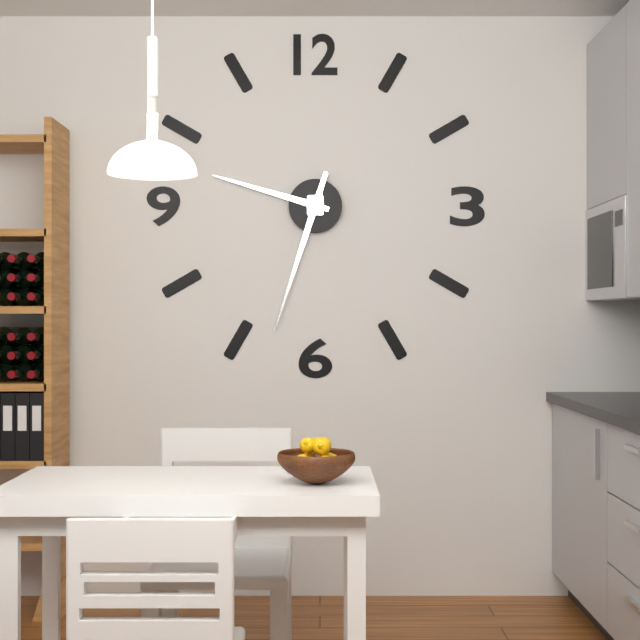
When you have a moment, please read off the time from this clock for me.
9:33
